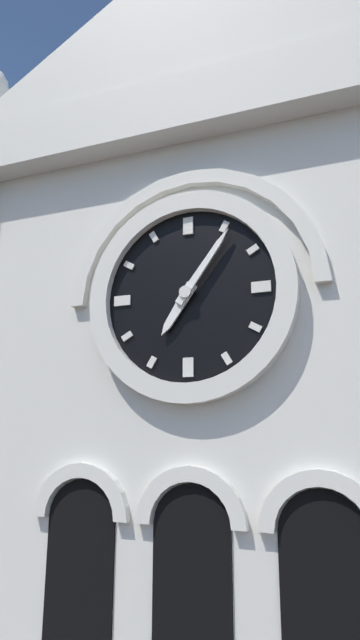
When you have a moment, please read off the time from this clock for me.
7:06
